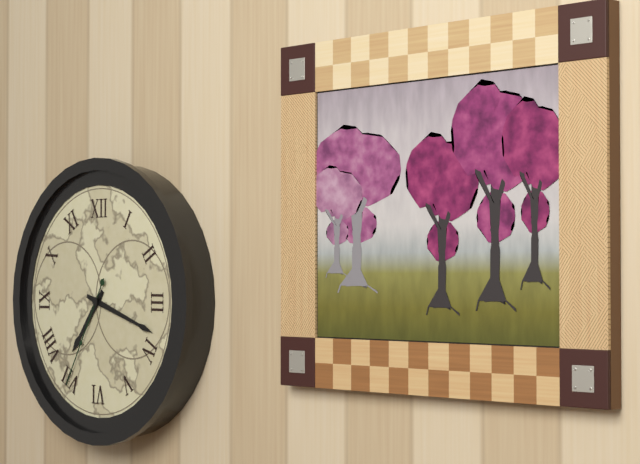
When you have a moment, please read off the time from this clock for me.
7:18:35
